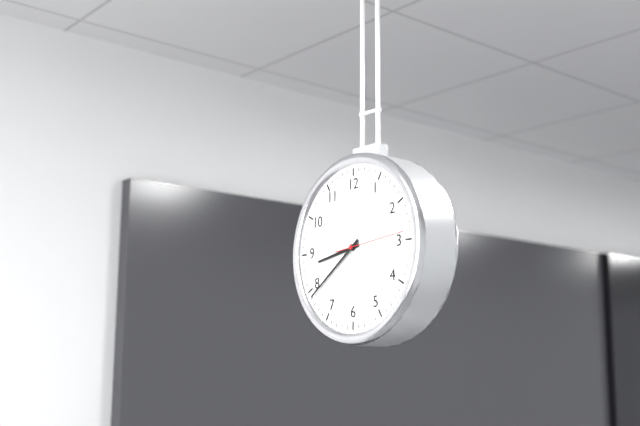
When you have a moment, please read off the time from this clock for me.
8:39
